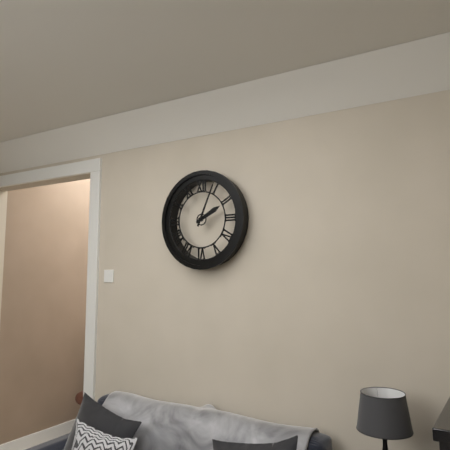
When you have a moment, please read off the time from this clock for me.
2:04
